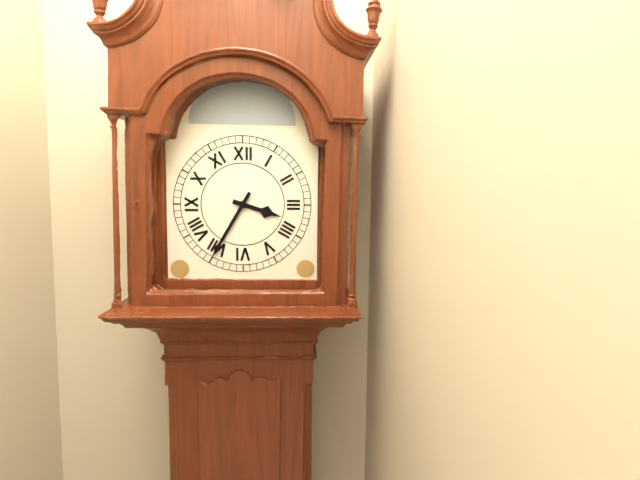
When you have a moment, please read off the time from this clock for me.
3:35
